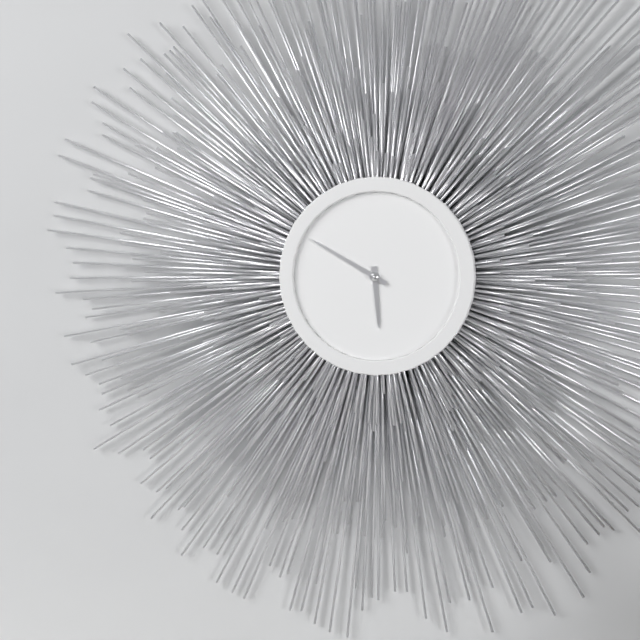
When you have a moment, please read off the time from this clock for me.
5:50
